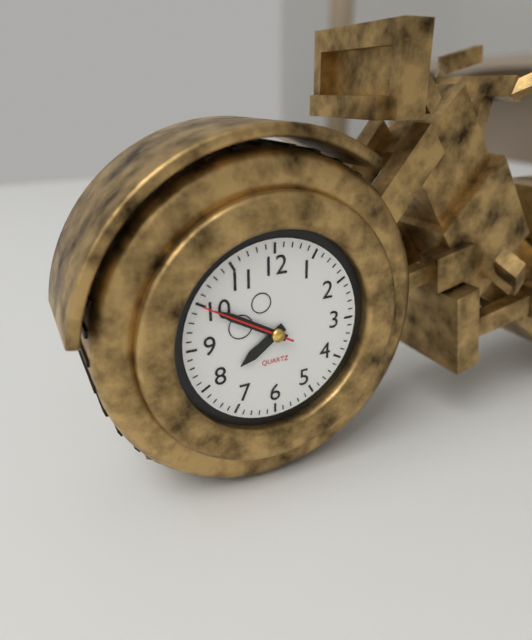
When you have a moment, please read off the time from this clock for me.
7:50:50
